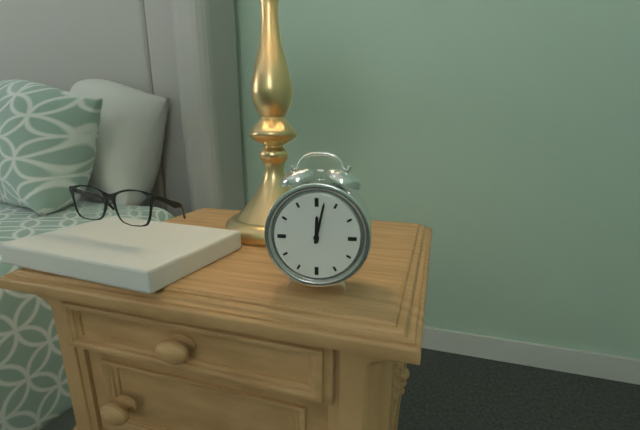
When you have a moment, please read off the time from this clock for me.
12:02
